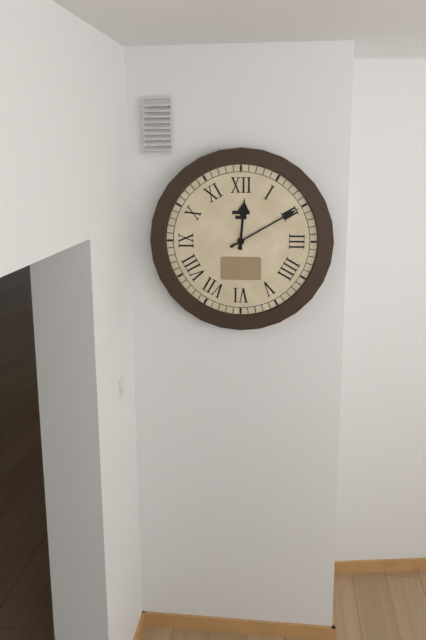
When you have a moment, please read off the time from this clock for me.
12:10
